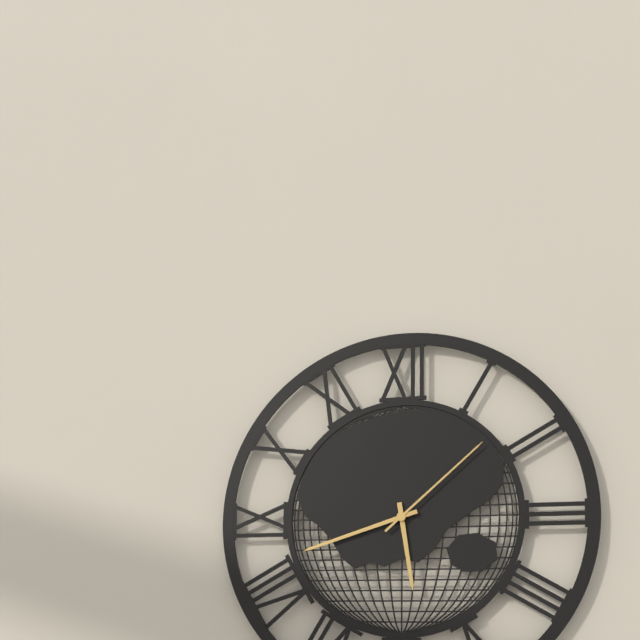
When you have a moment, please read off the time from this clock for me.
5:42:08
